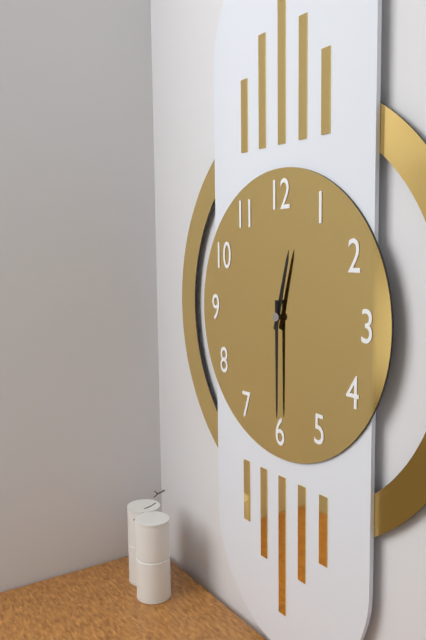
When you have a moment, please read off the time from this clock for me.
12:30
